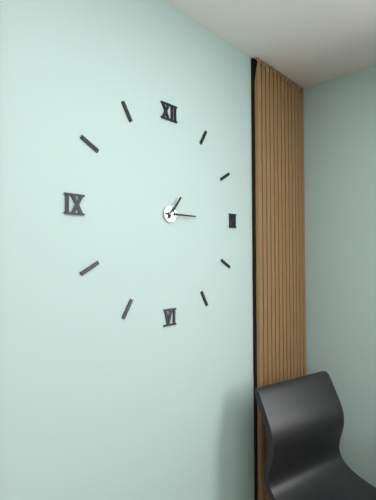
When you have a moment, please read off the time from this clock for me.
1:15
